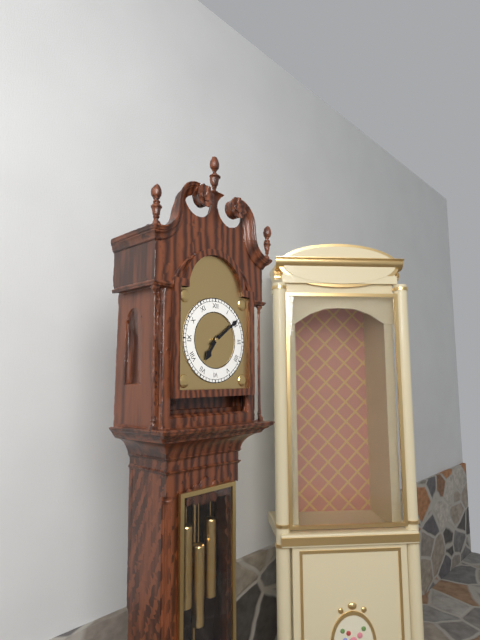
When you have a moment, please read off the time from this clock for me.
7:09
